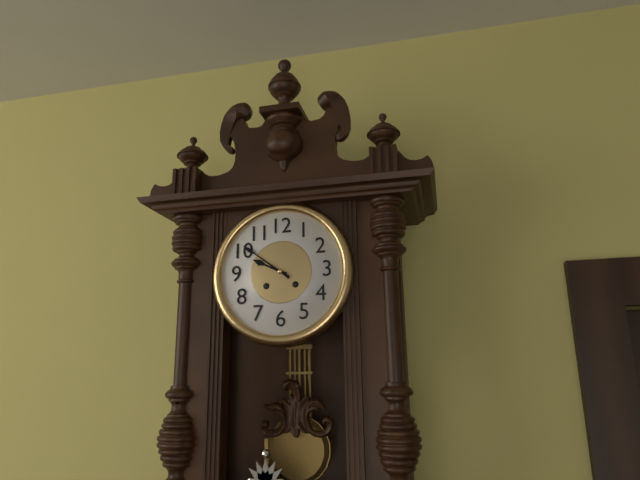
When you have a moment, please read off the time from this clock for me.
9:51
